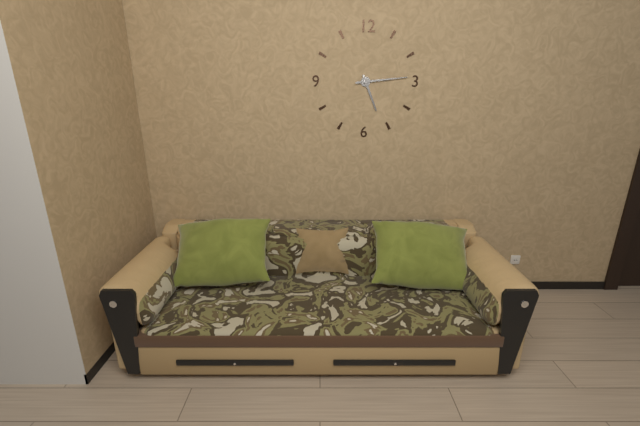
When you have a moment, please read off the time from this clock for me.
5:14
